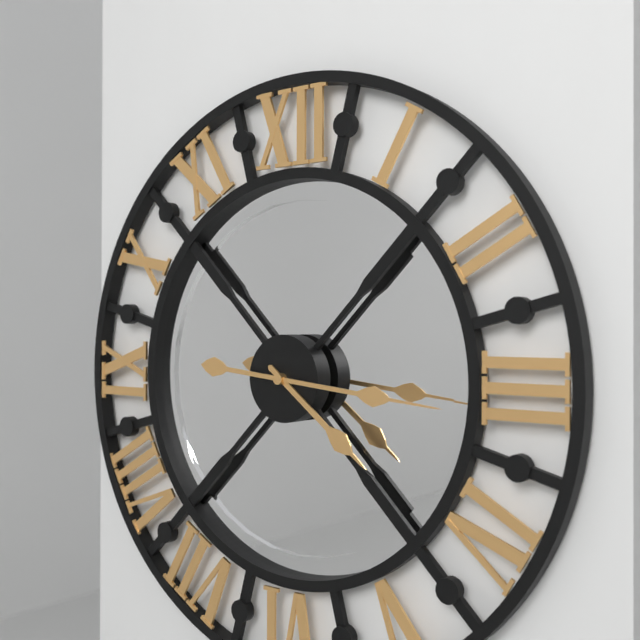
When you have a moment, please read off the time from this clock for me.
4:16
